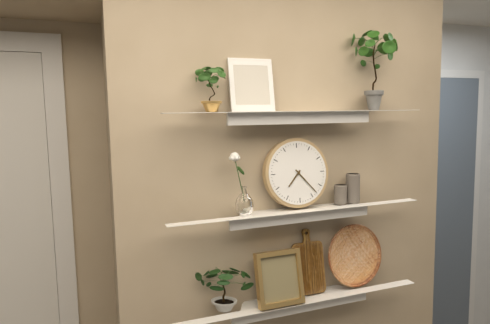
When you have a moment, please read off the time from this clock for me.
7:23
